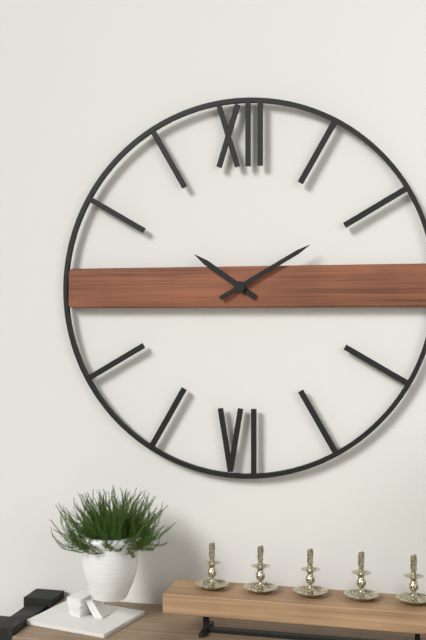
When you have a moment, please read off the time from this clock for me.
10:10
